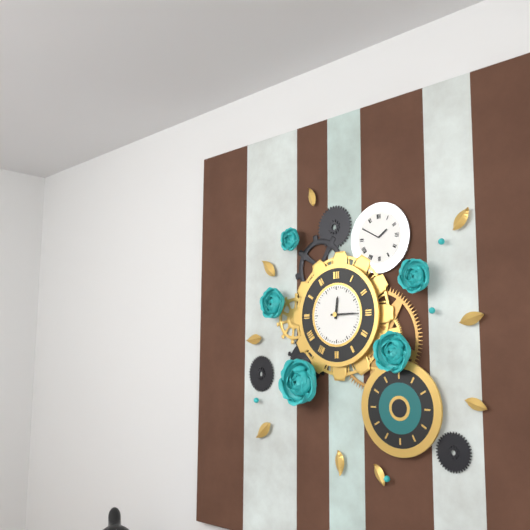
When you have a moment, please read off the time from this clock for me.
12:15
